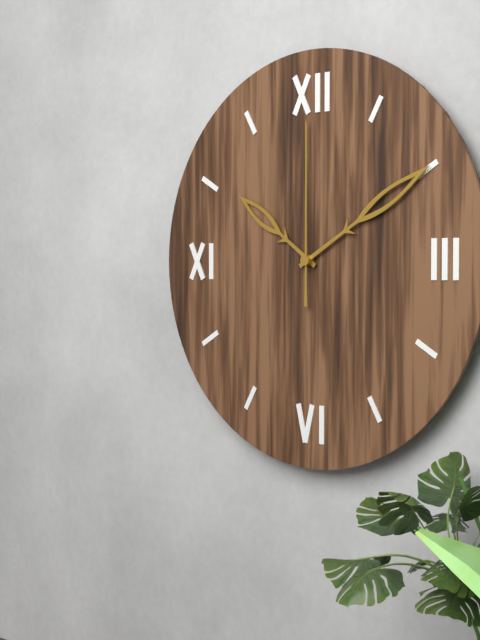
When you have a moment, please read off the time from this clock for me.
10:10:00
